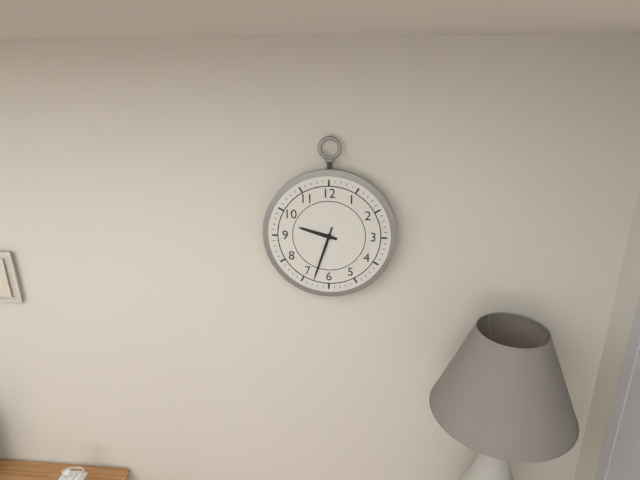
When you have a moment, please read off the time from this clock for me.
9:33
